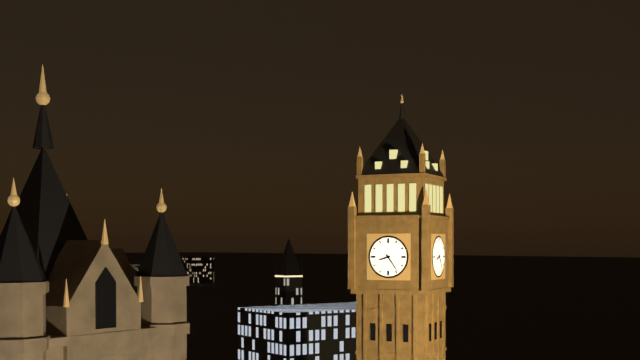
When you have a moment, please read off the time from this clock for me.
8:24
